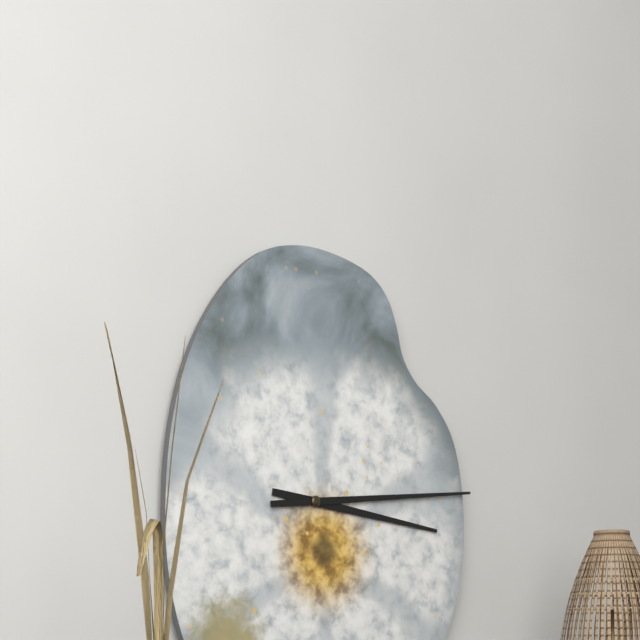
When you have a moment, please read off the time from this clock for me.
3:14
